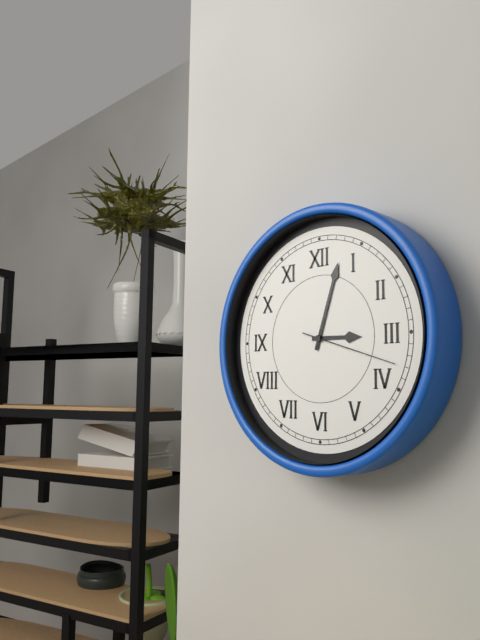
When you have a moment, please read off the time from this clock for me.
3:03:18
